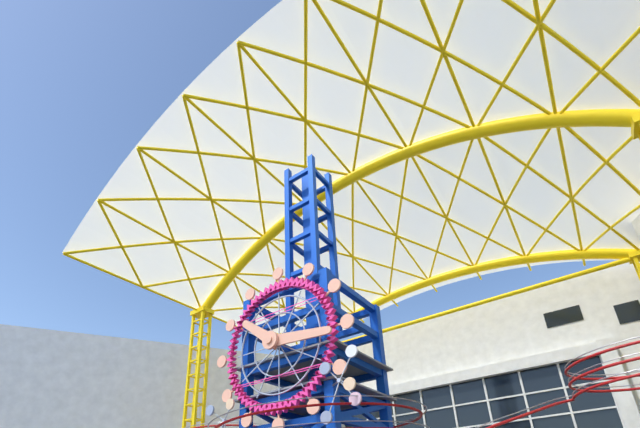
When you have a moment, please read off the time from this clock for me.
10:16
